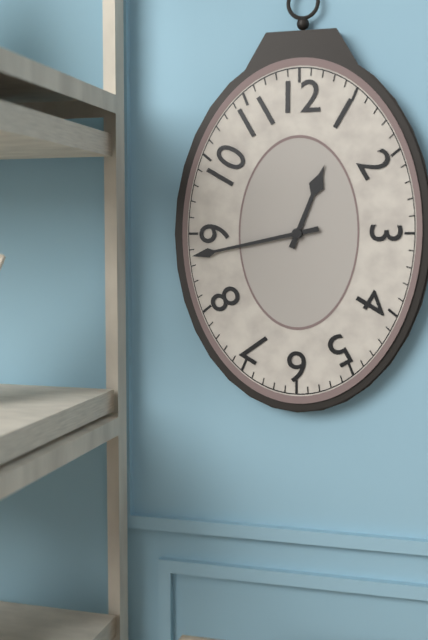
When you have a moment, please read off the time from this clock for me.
12:43
